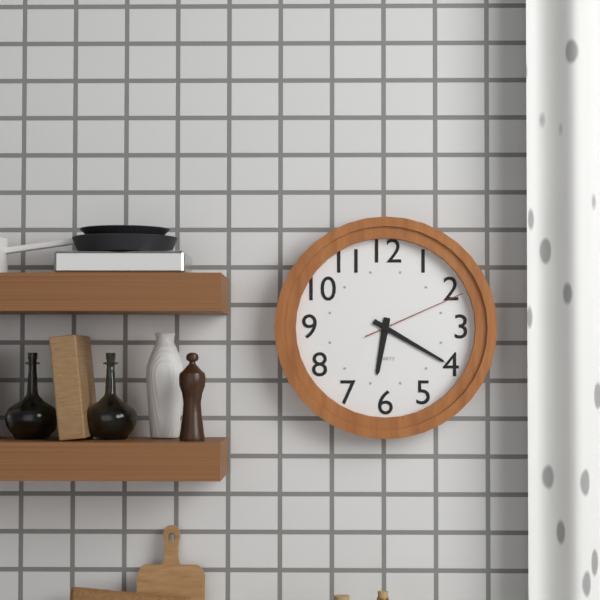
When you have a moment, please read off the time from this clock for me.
6:20:11
